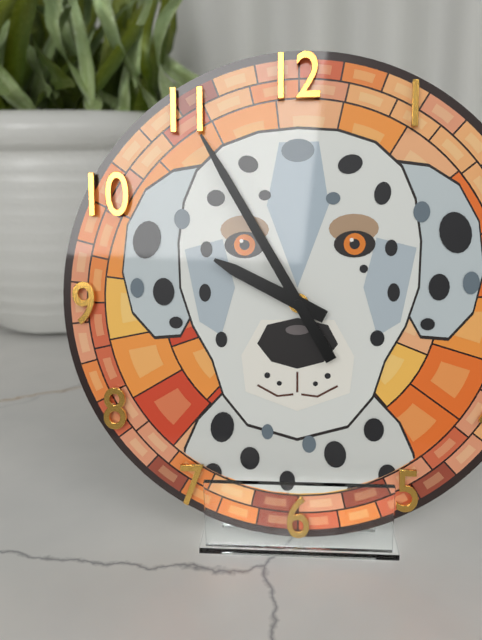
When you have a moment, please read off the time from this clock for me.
9:55
